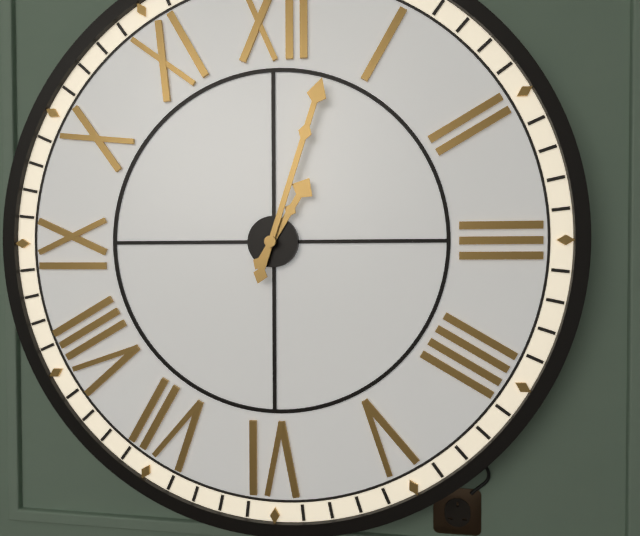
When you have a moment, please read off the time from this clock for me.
1:03
